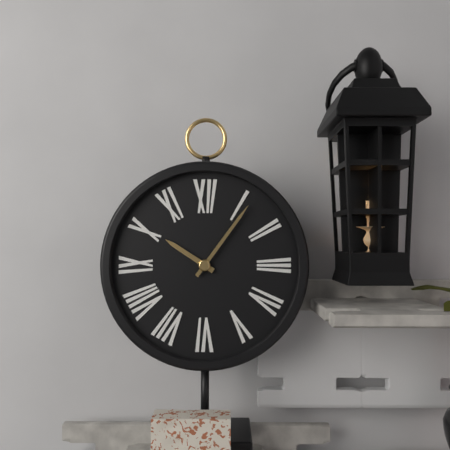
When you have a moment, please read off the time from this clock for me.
10:06
